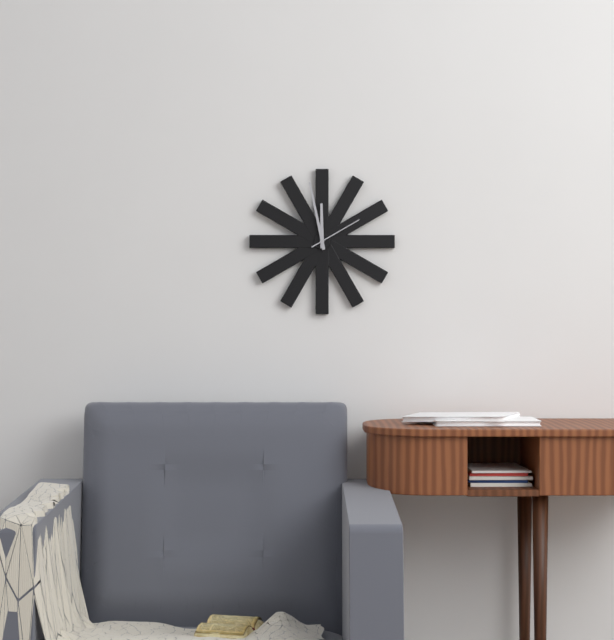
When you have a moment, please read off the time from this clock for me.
11:58:10
